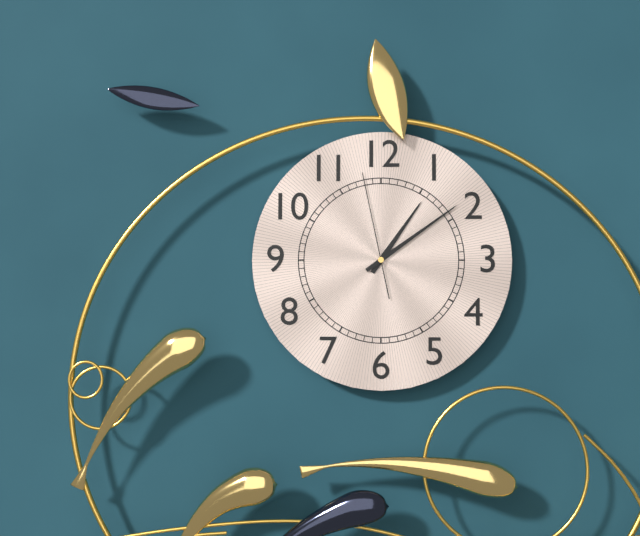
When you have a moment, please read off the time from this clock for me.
1:09:58
